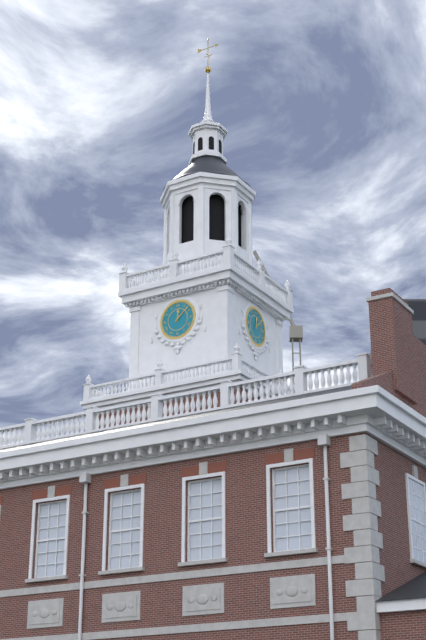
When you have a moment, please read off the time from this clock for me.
12:08
